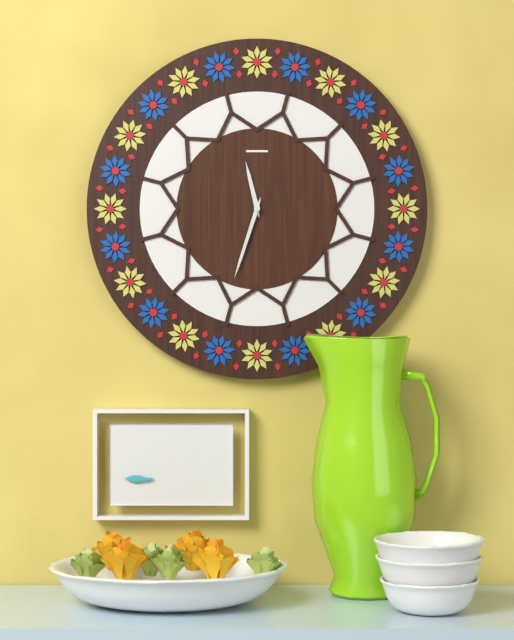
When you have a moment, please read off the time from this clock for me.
11:33
